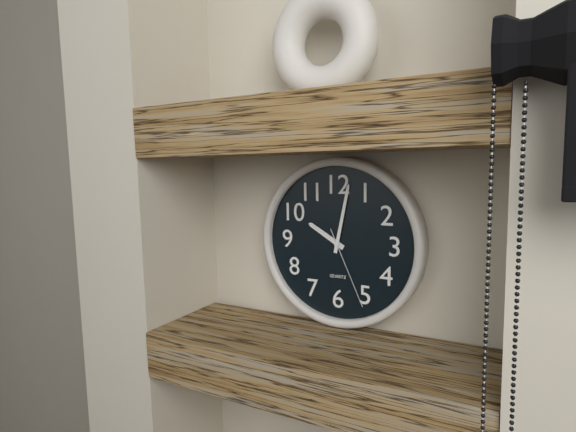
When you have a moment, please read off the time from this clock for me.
10:02:26
